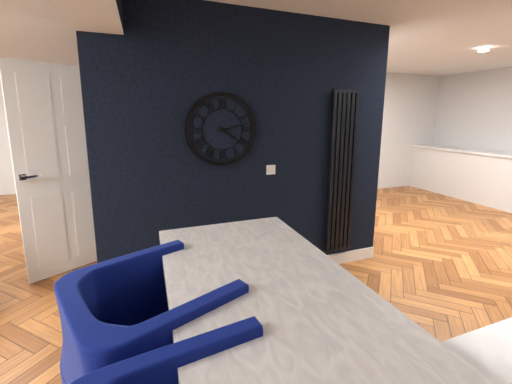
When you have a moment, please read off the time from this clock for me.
4:13
